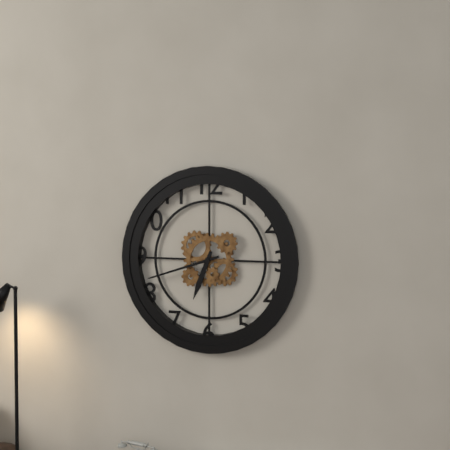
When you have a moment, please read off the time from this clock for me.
6:42
